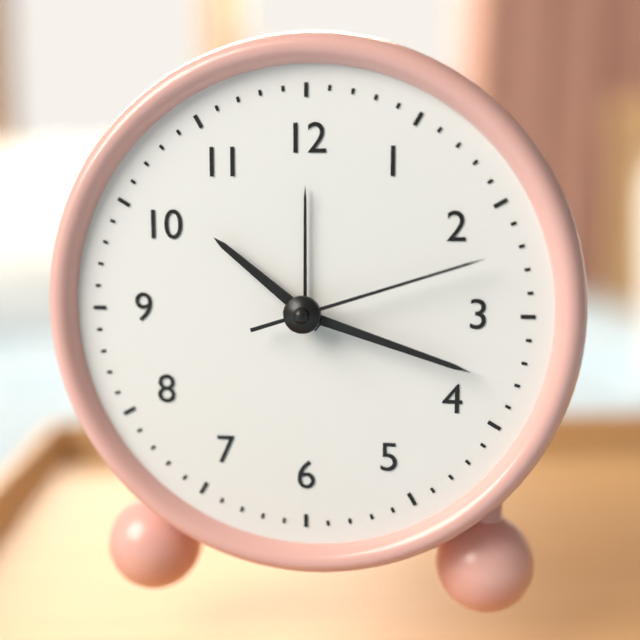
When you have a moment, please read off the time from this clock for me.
10:18:12
